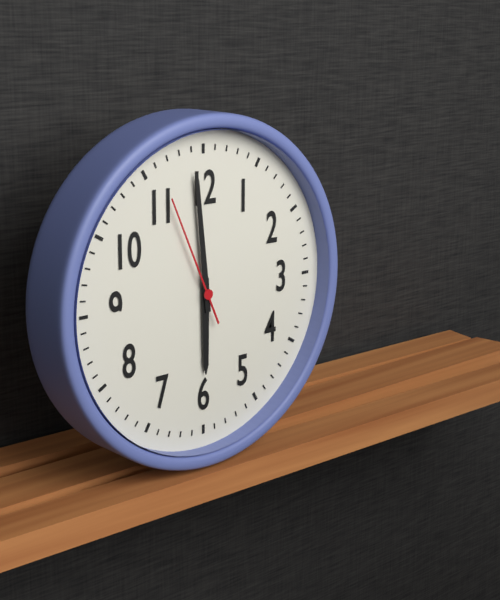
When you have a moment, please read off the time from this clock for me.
5:59:56
